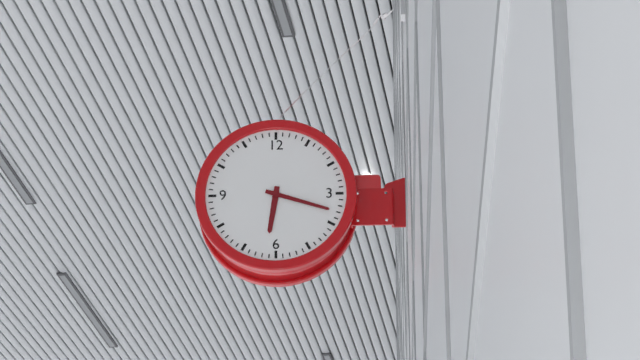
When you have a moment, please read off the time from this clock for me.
6:18
